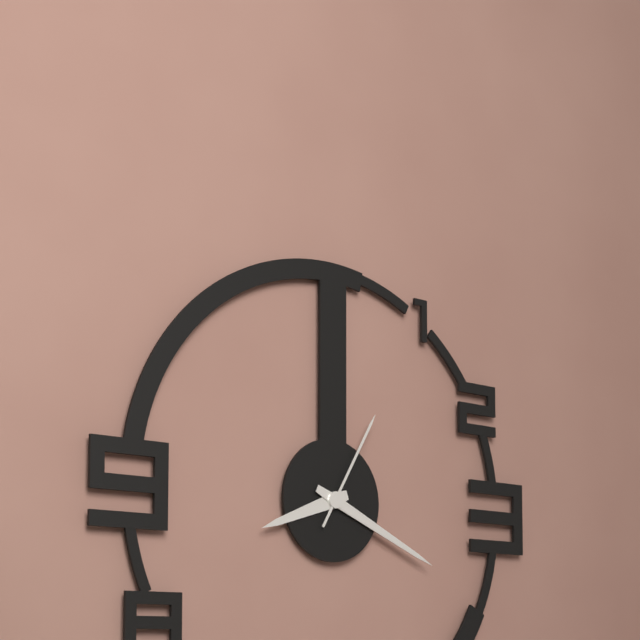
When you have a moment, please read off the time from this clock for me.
8:19:05
